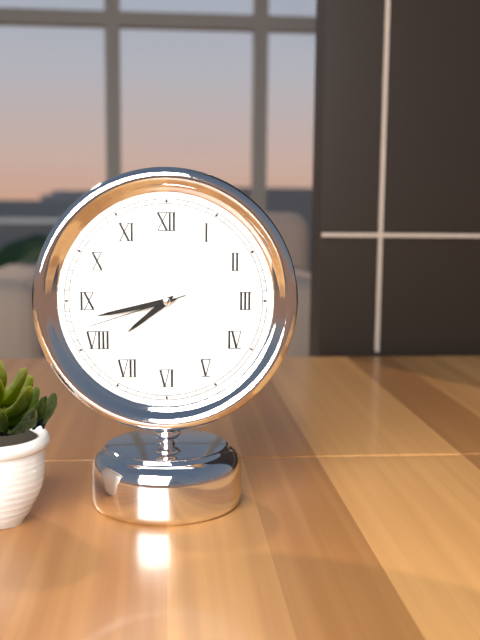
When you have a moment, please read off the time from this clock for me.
7:43:42
